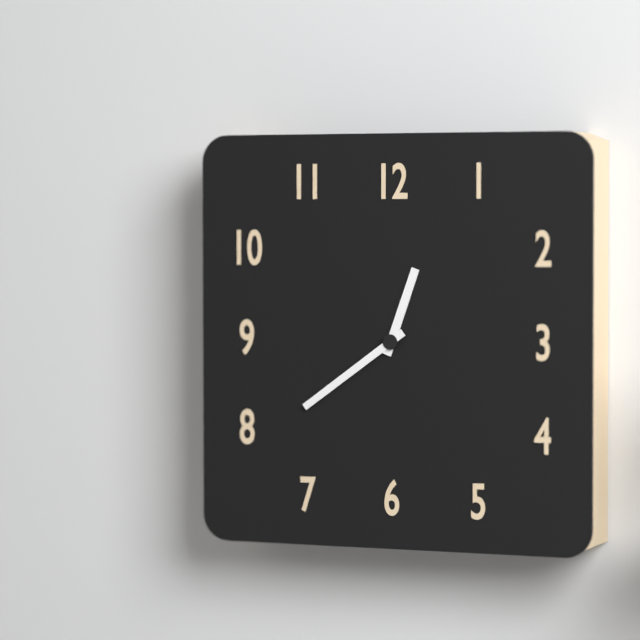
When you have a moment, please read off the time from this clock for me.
12:39
